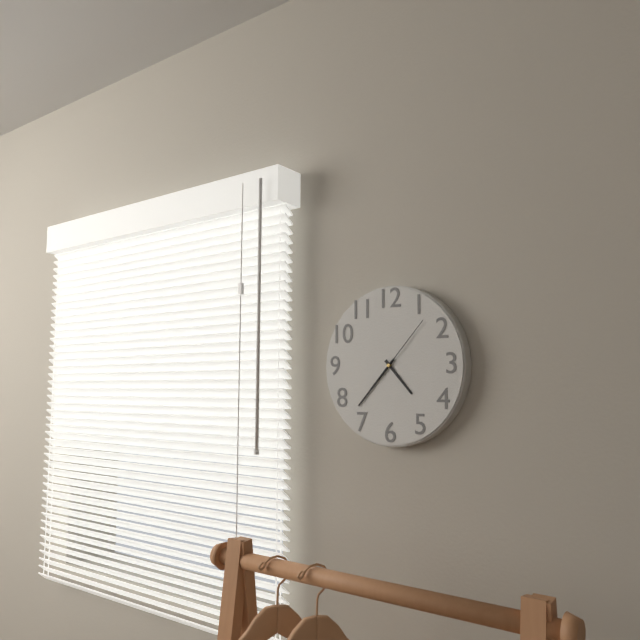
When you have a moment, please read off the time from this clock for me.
4:37:07
